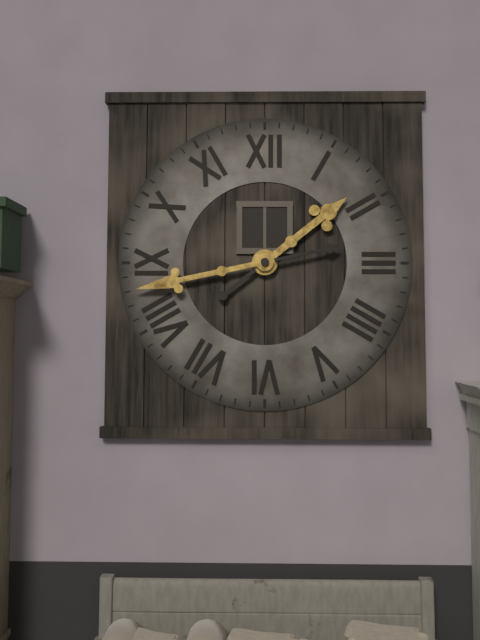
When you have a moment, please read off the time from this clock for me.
1:43
